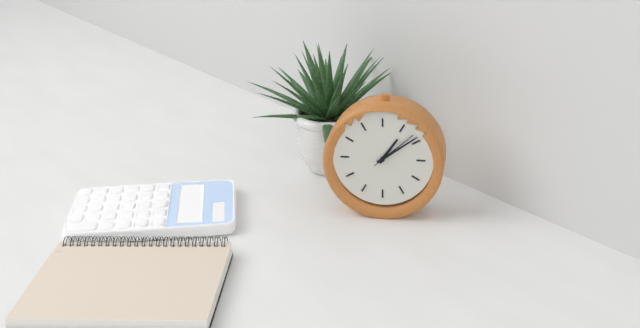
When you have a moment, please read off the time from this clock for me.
1:09
